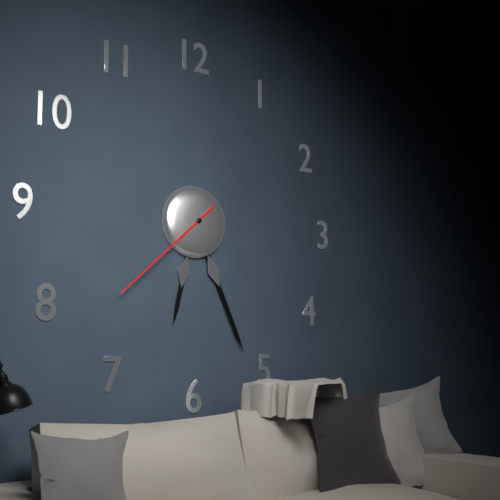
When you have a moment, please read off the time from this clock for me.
6:26:38
